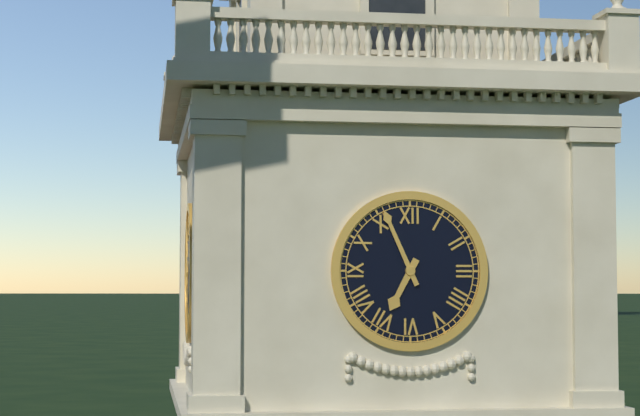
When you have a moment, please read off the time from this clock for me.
6:56
